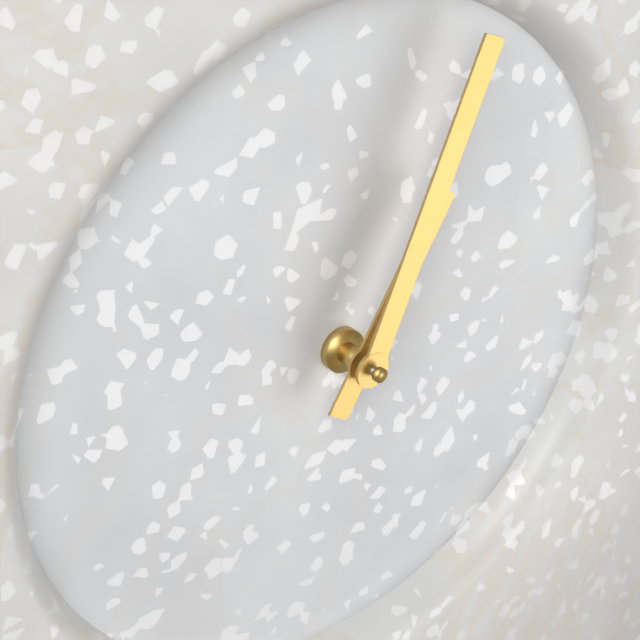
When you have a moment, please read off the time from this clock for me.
1:04
